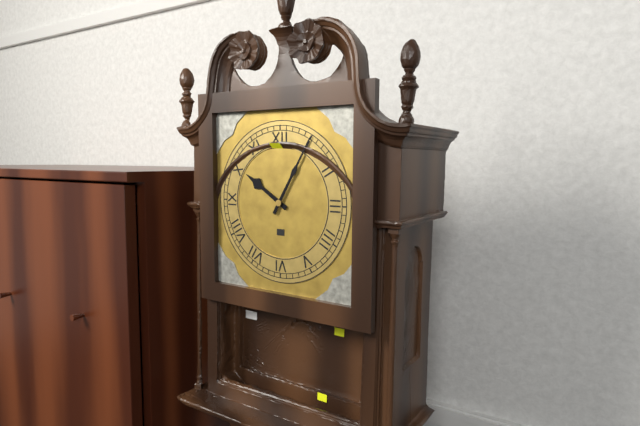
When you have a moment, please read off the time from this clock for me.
10:05
